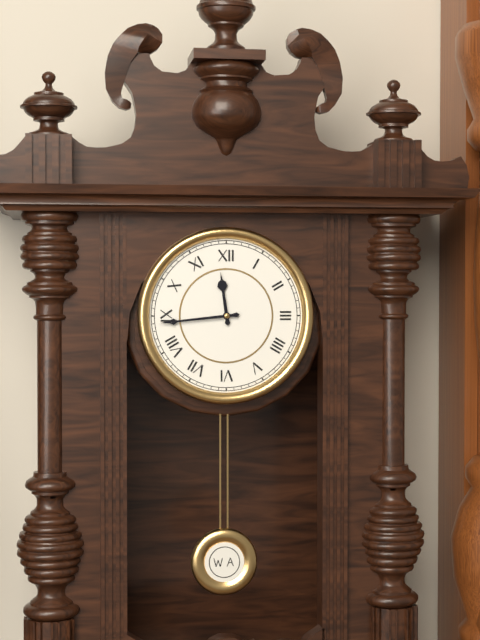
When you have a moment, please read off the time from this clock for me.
11:44
